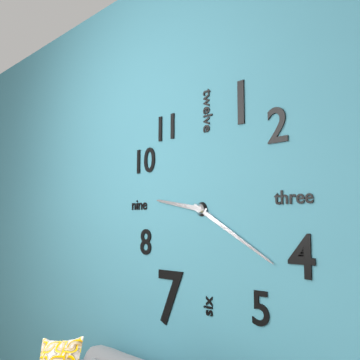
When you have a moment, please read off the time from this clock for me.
9:20
